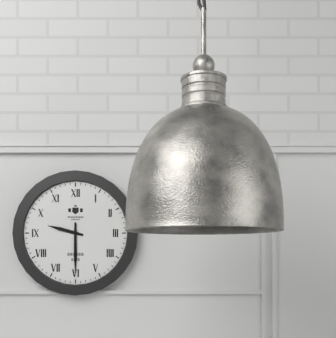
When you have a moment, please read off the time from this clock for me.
9:30
